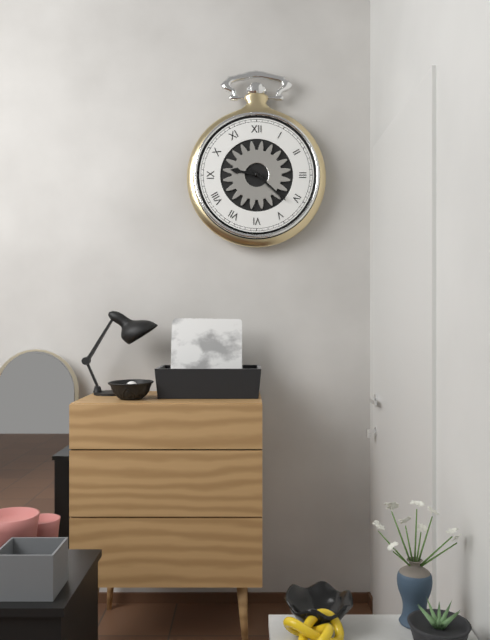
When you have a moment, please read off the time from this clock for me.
9:22
